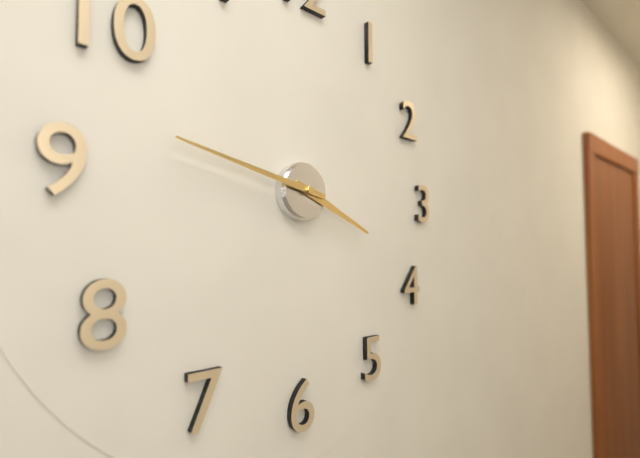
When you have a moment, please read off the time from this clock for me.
3:47
